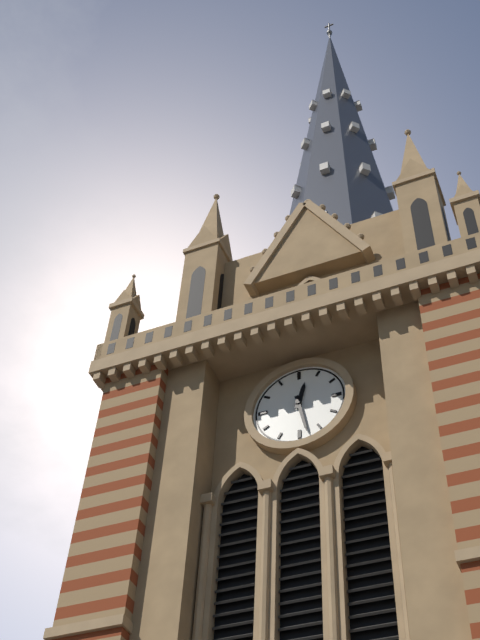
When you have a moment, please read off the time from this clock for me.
12:28
